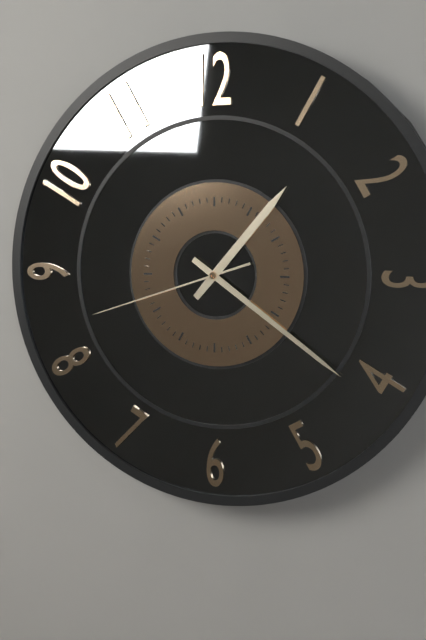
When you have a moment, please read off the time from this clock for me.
1:21:42
